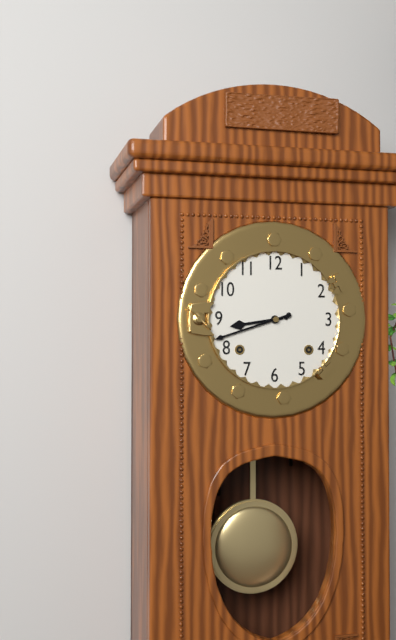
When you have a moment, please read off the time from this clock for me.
8:42
